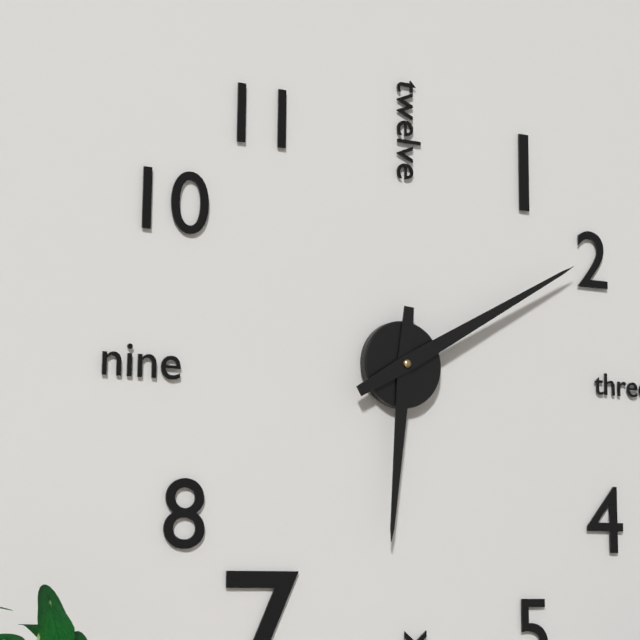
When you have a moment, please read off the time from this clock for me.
6:10
